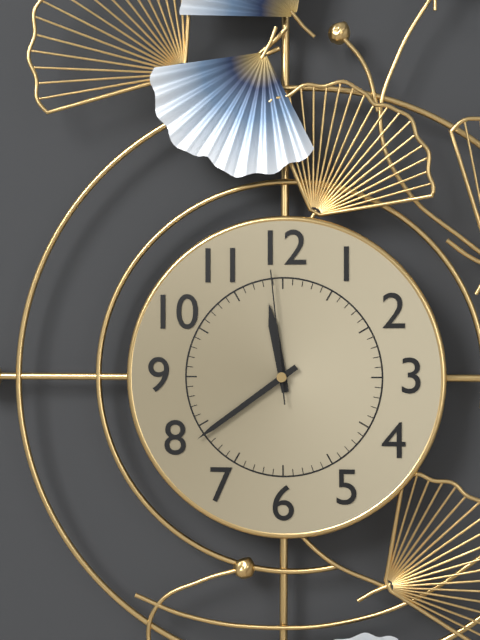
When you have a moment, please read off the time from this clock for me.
11:39:59
